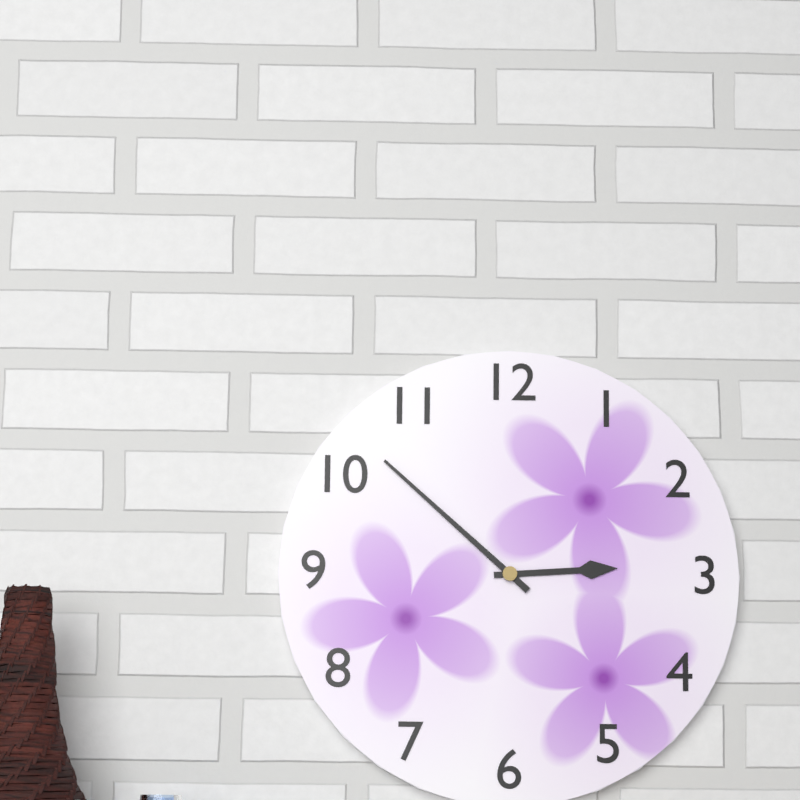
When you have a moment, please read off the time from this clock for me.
2:52
